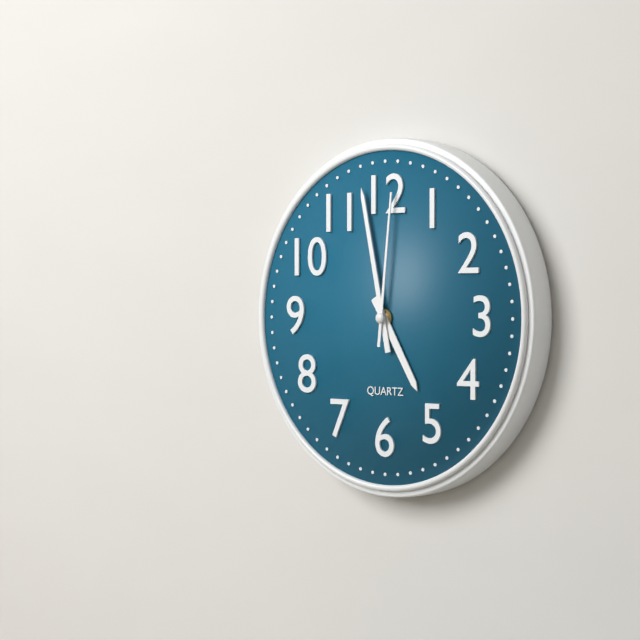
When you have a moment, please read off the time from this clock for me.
4:58:01
